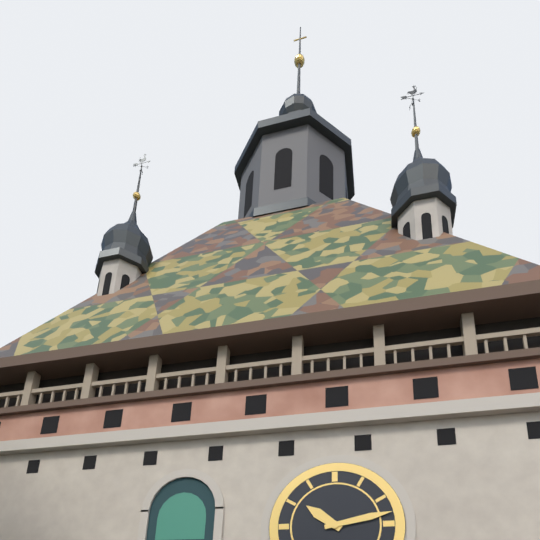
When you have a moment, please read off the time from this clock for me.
10:13
